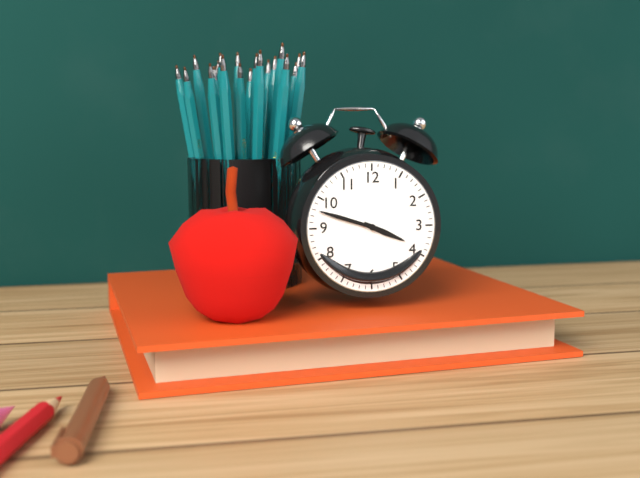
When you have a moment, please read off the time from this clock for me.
3:48
